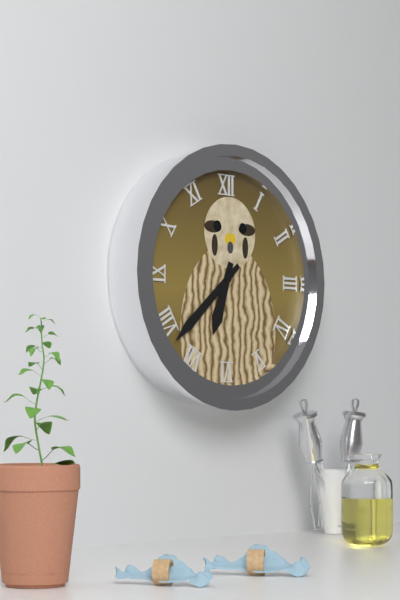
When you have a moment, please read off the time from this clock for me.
6:38
